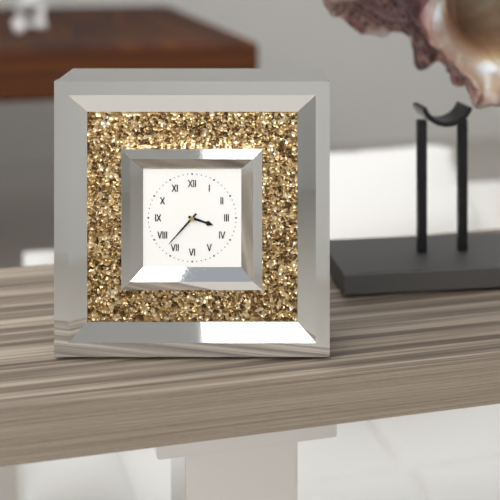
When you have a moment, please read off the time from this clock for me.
3:37
